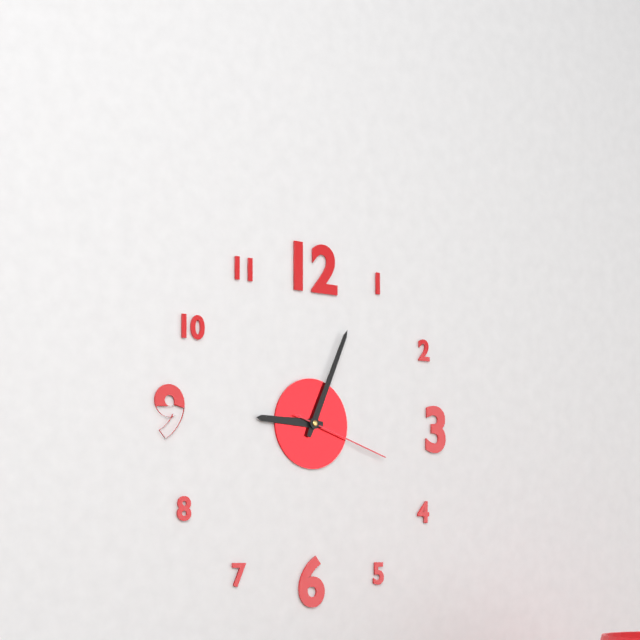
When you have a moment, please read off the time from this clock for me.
9:04:18
